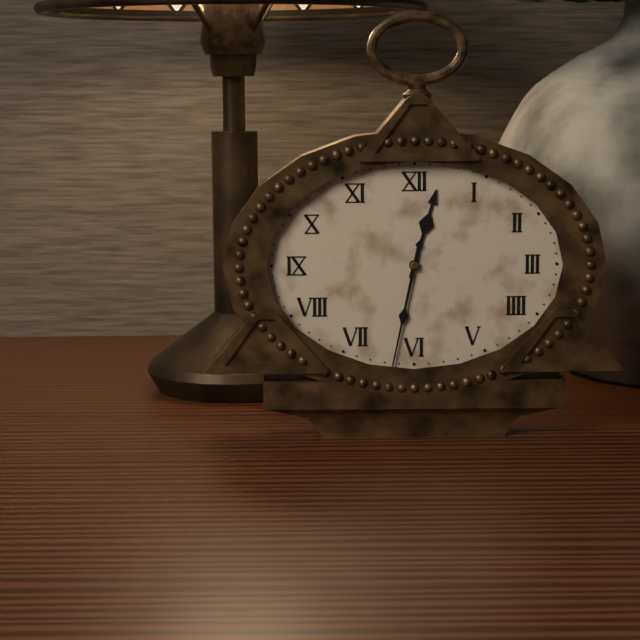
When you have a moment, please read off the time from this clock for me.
12:32
